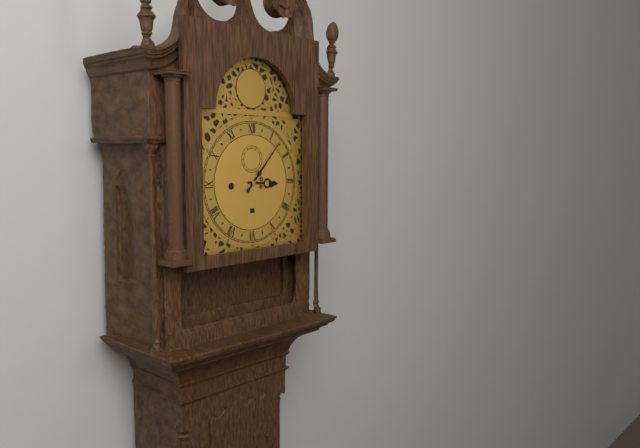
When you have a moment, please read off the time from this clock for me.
3:07
